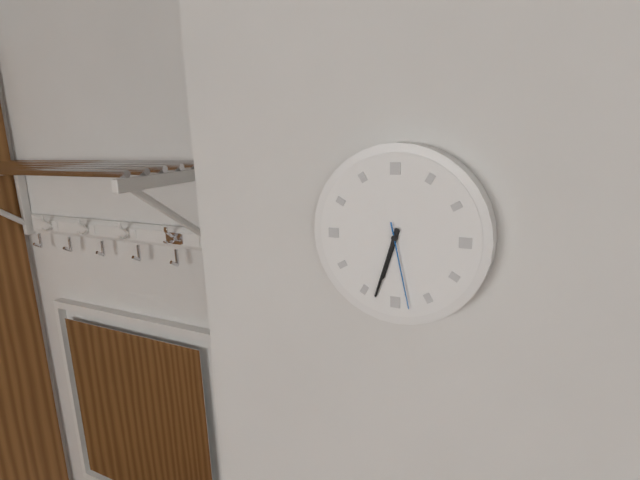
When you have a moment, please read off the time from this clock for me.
6:33:28
